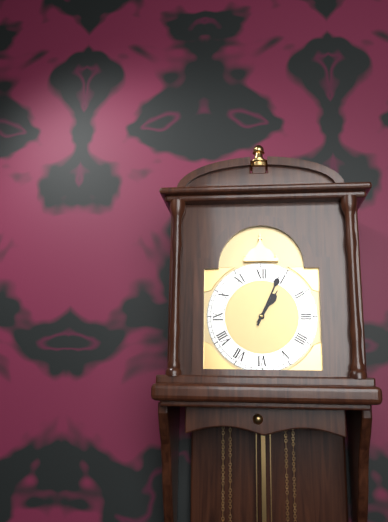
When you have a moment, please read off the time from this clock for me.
1:04
